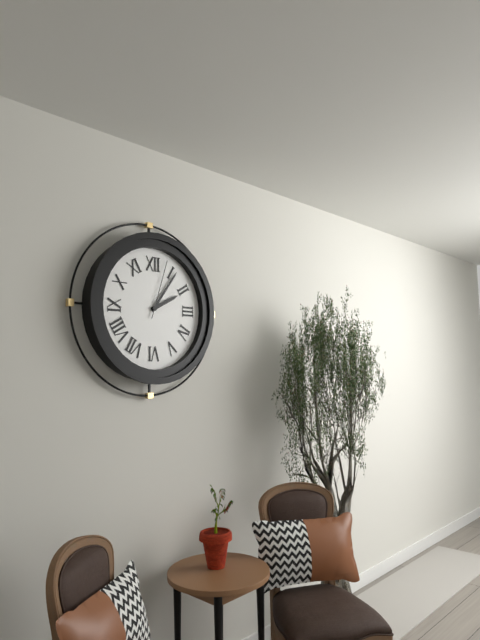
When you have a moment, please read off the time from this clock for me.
2:06:03
